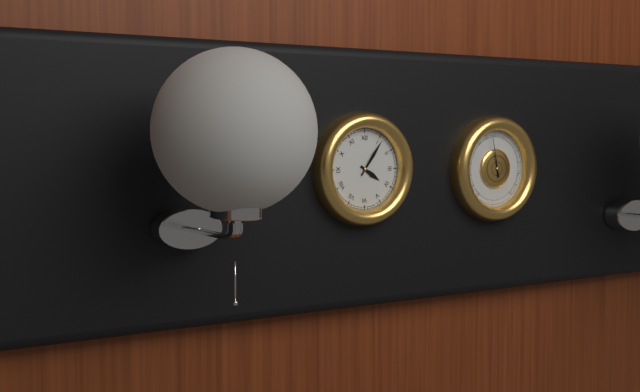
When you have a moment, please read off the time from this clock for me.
4:06
